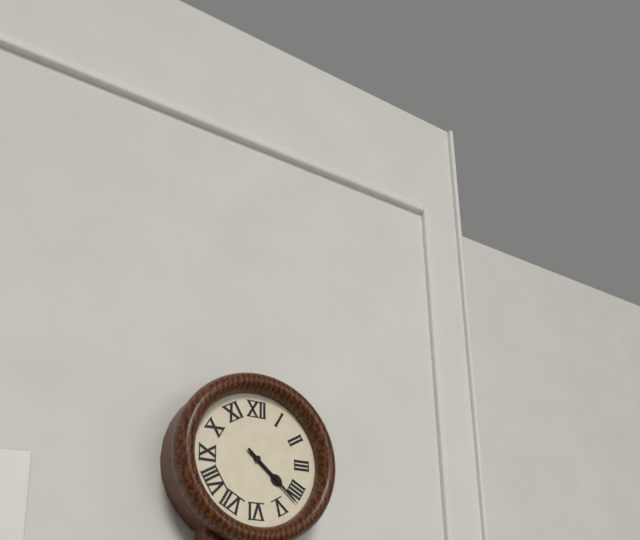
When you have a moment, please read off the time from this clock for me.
4:22
